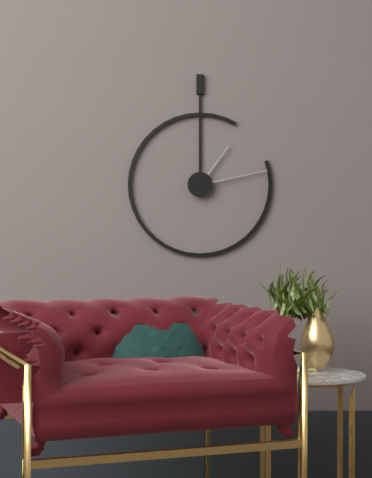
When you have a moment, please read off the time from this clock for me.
1:13
